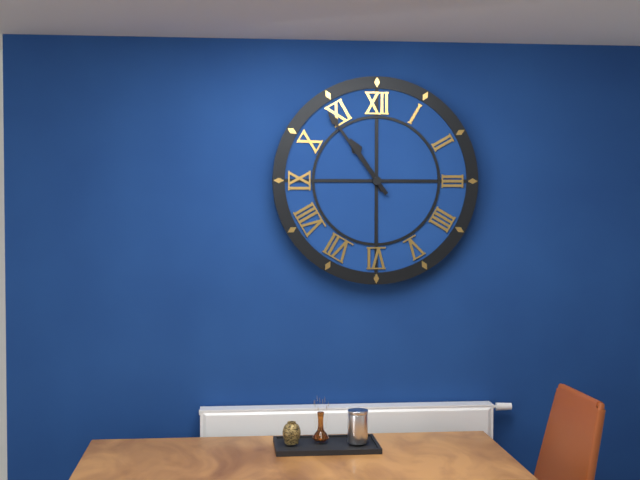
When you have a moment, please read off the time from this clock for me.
10:54
